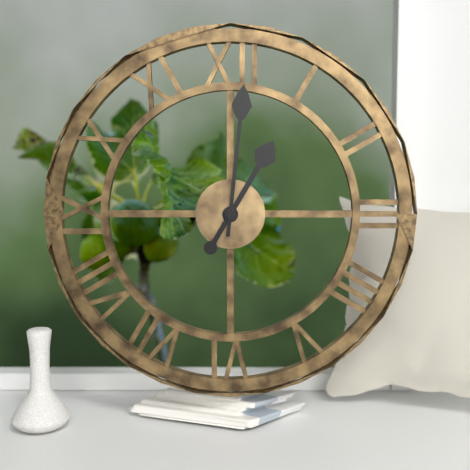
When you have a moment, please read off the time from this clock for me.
1:01
